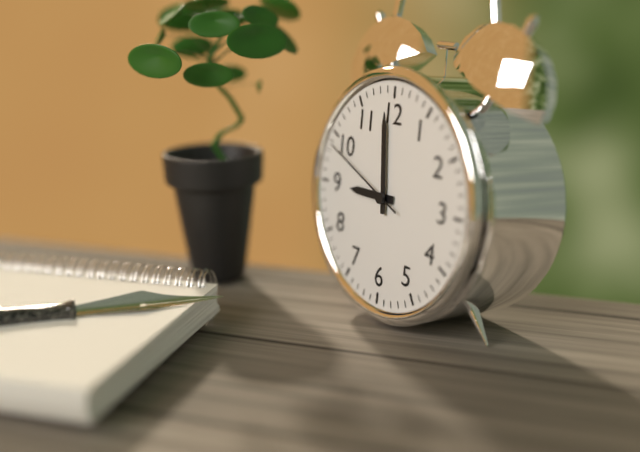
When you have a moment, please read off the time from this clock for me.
8:59:49
